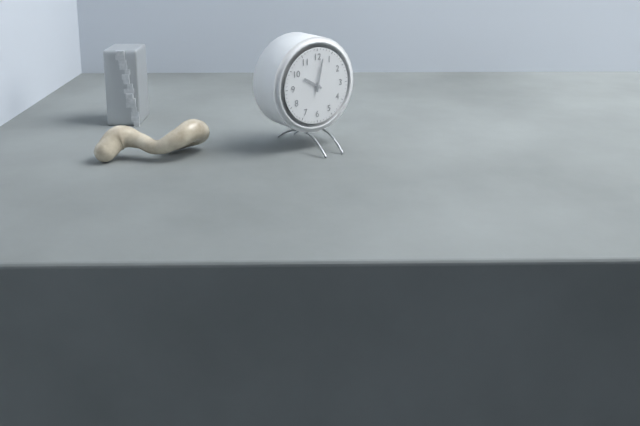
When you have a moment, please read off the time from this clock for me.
10:02
